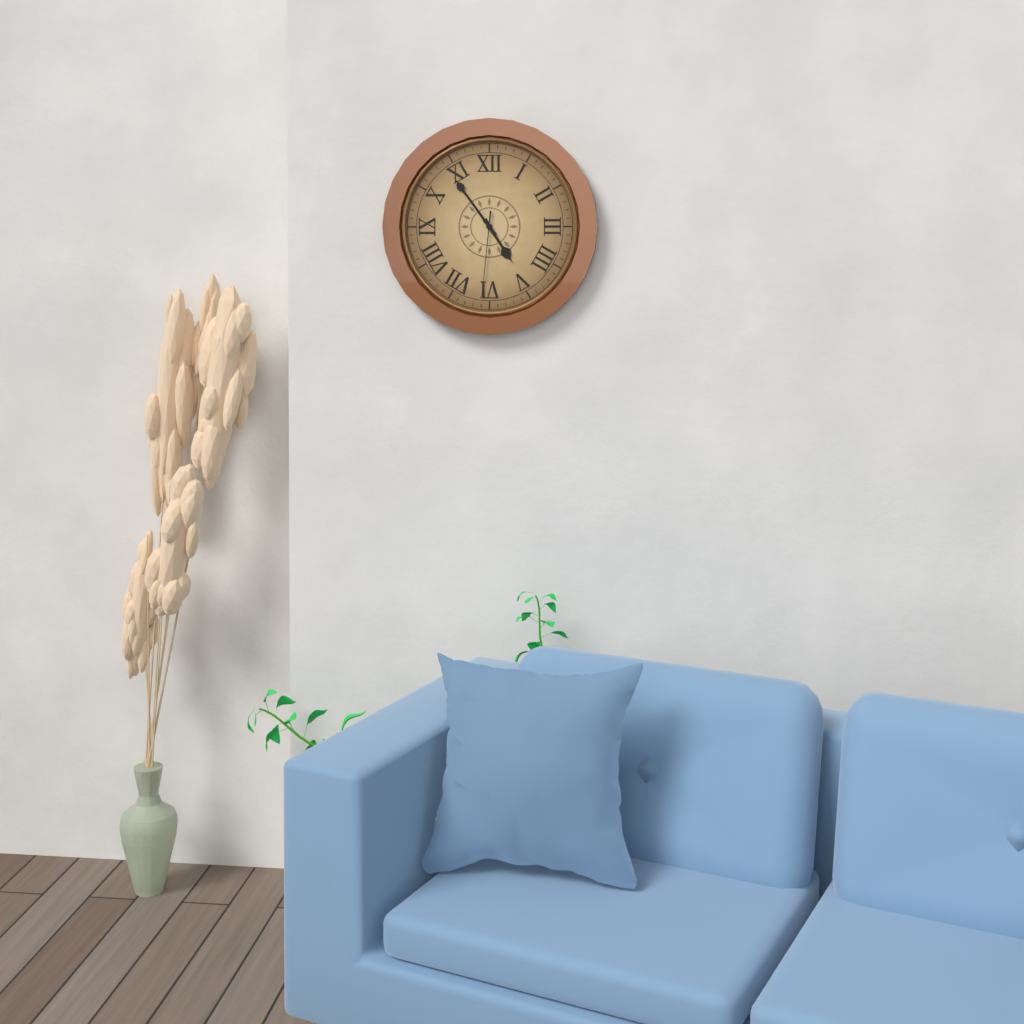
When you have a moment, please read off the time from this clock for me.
4:54:31
